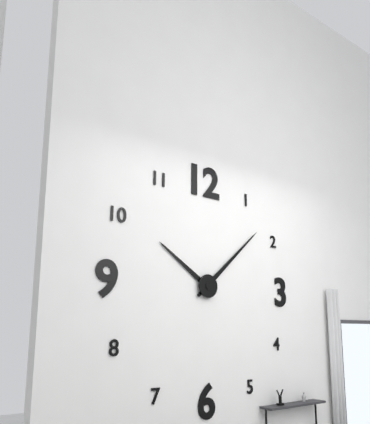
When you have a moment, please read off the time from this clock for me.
10:08
